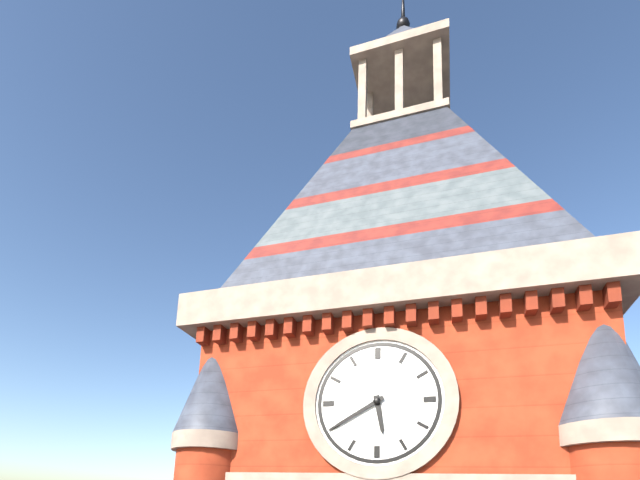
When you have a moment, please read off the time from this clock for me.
5:40
